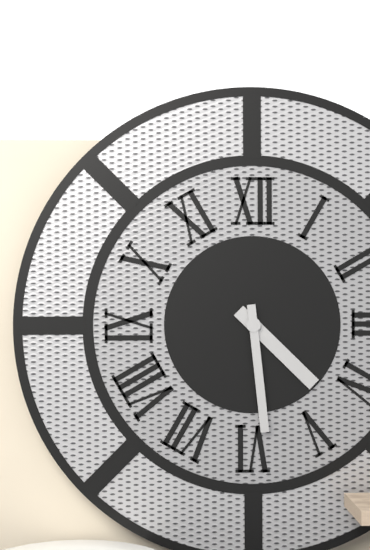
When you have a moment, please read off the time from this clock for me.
4:29
